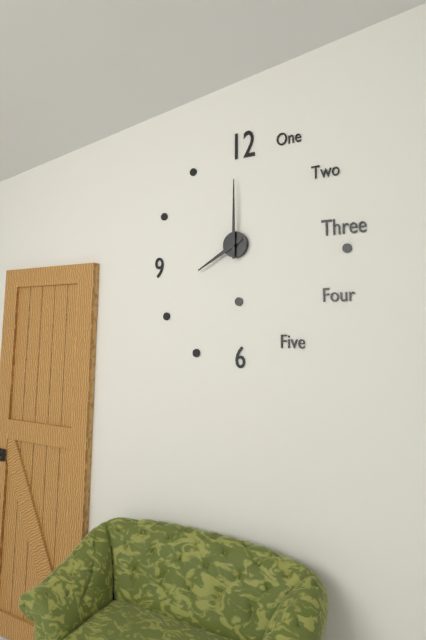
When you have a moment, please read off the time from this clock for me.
8:00
